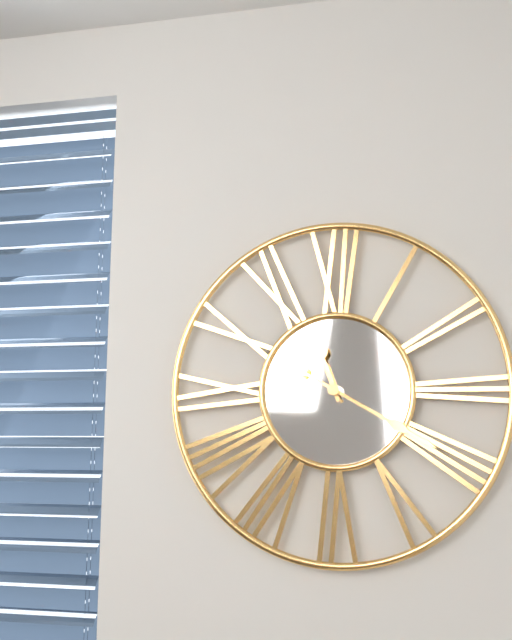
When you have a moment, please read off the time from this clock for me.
11:20
